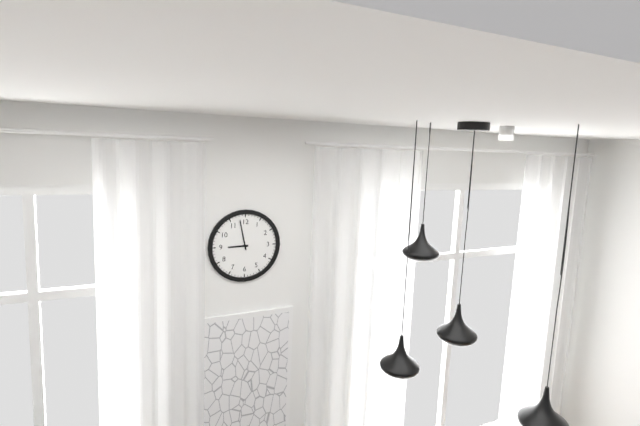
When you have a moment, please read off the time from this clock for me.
8:58
